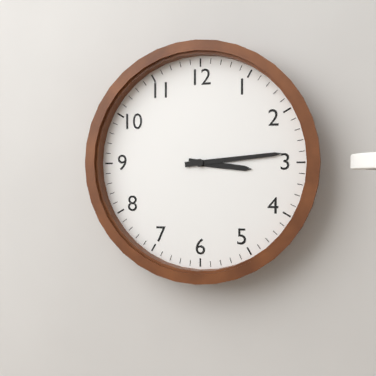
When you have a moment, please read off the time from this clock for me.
3:14
